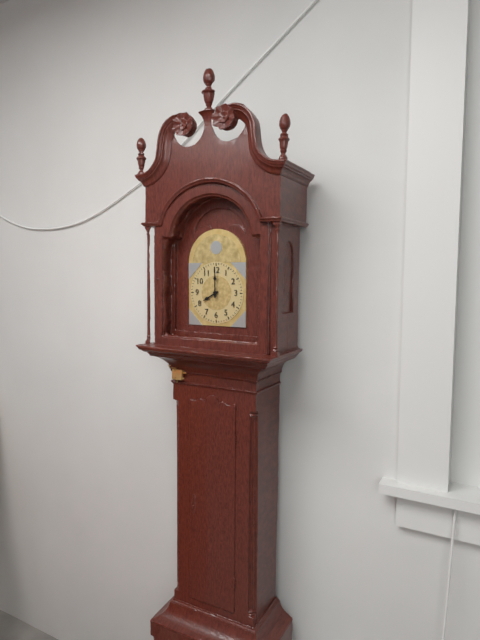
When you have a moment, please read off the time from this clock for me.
8:00
